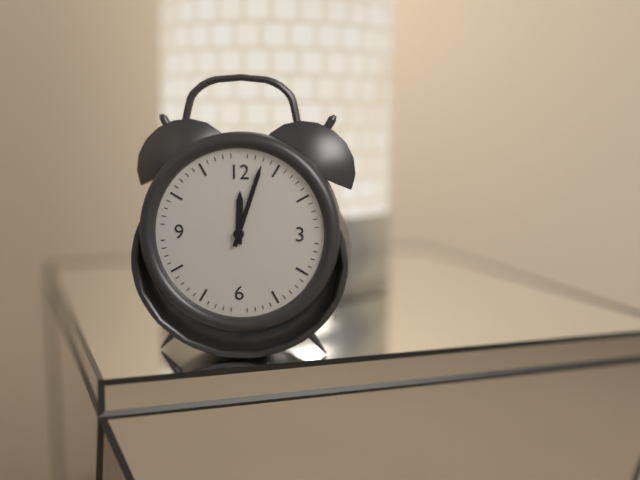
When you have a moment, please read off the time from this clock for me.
12:03
